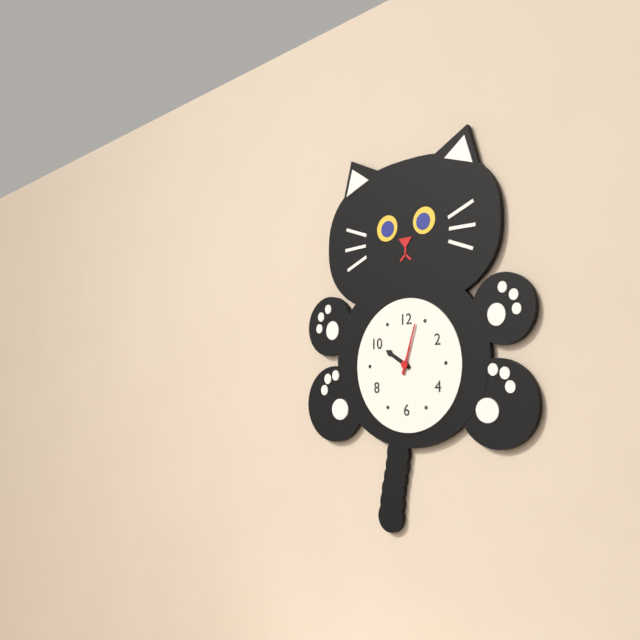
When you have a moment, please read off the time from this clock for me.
10:03
